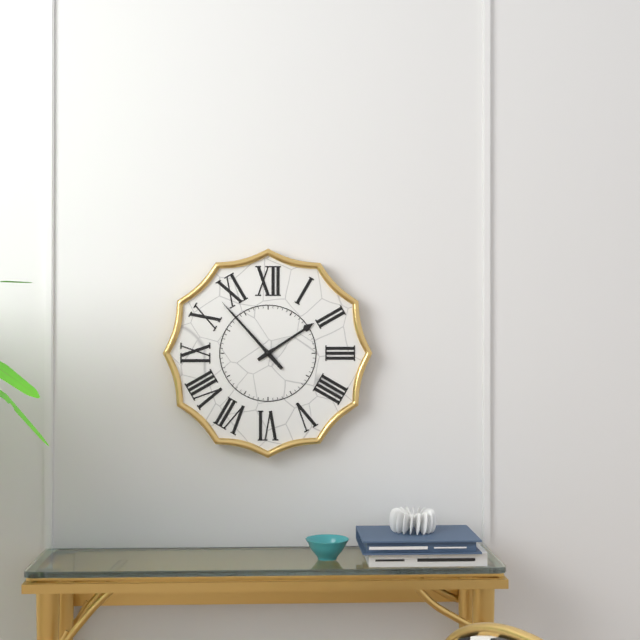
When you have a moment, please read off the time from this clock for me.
1:53
